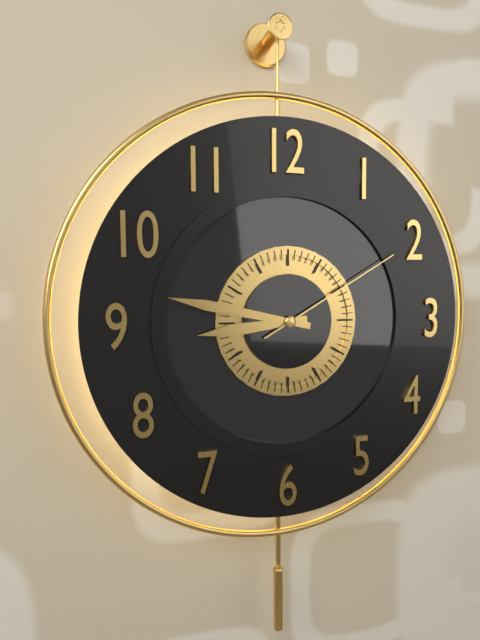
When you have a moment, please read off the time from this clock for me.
8:47:10
